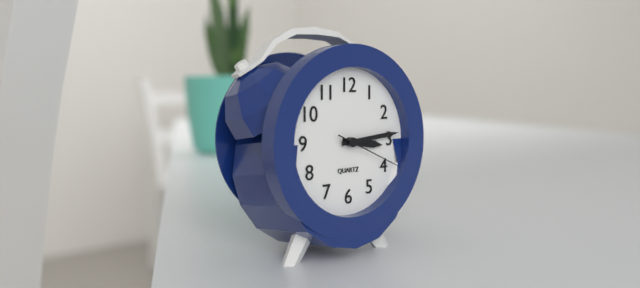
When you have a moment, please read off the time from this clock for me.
3:14:19
